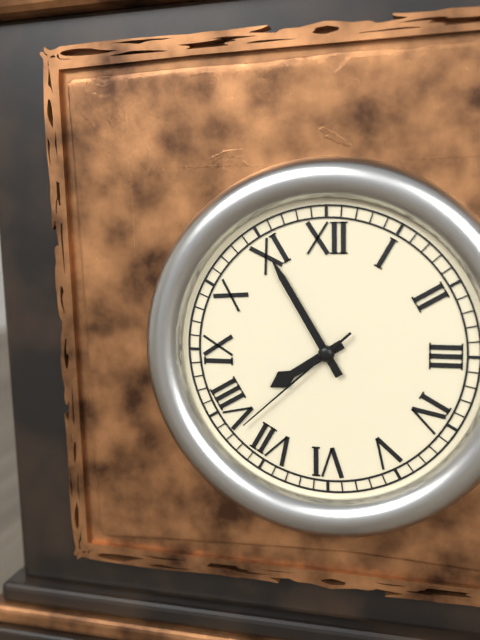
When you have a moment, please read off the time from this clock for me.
7:55:38
